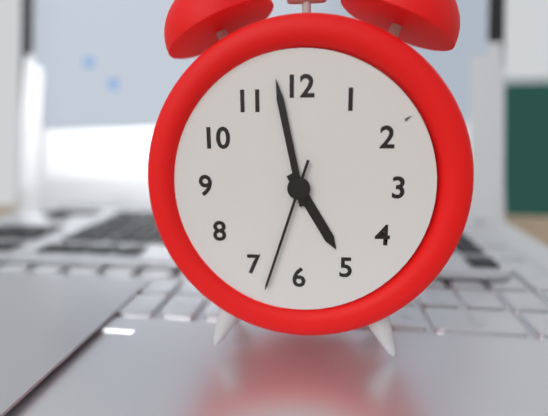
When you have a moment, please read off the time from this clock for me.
4:58:33
